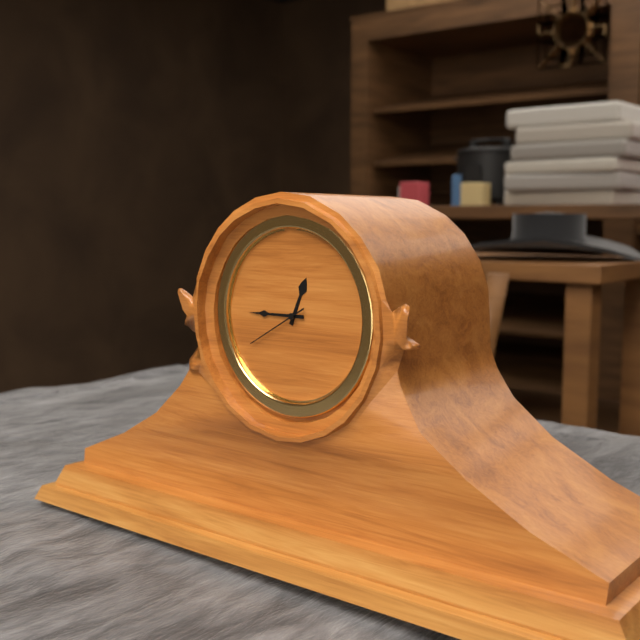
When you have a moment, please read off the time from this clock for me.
12:45:40
